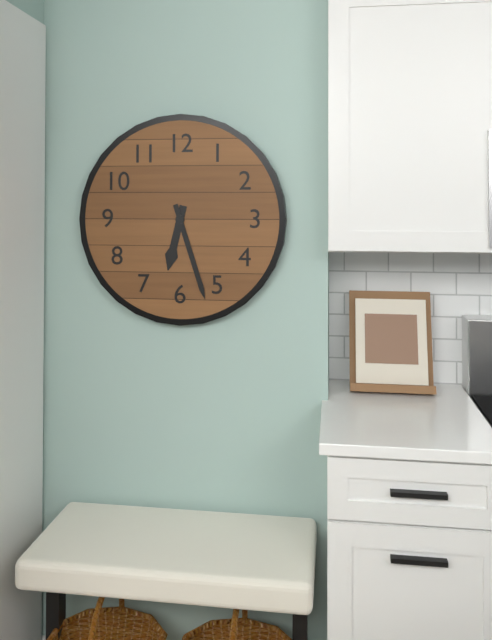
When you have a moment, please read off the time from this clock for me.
6:27
